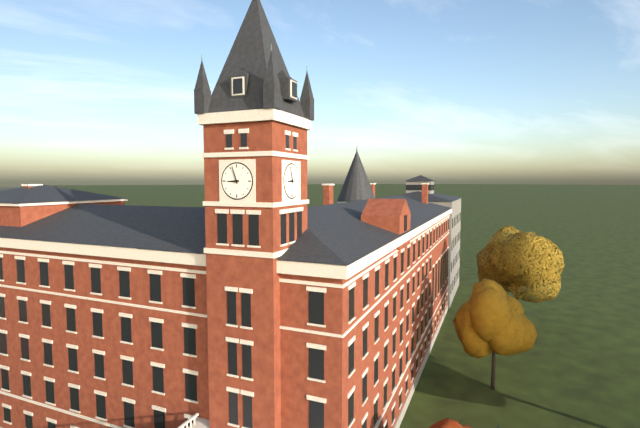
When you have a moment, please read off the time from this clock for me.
8:57
